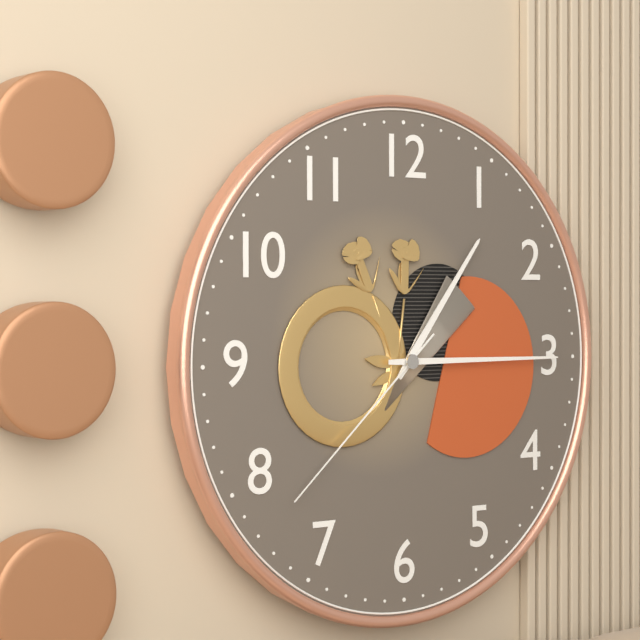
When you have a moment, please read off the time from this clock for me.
1:15:38
